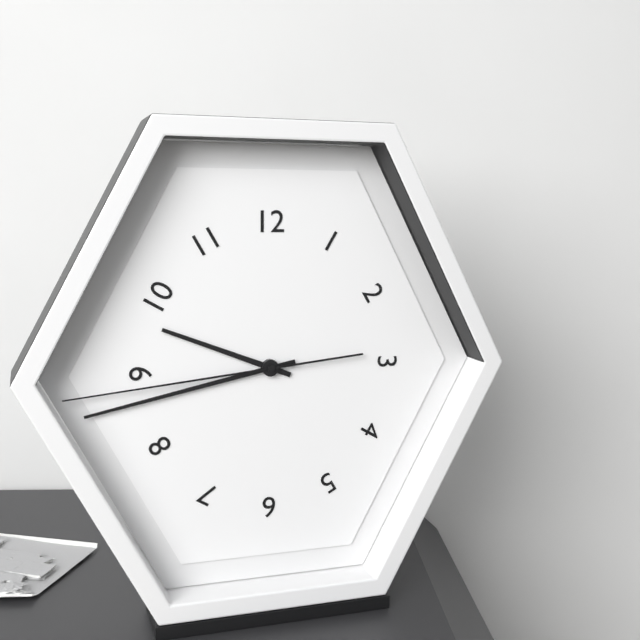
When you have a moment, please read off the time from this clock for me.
9:43:44
